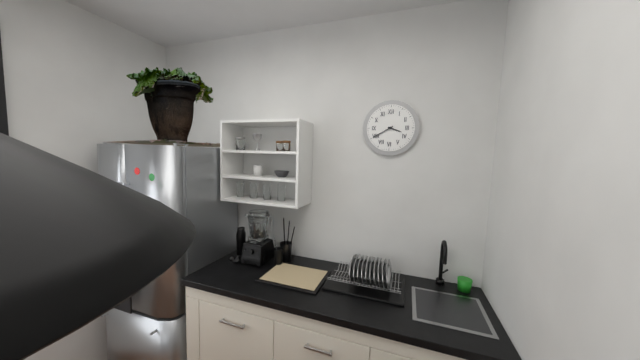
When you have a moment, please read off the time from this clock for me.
3:40
